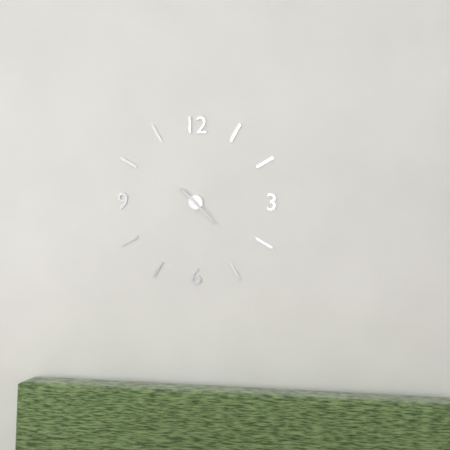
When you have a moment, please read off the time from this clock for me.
10:23
